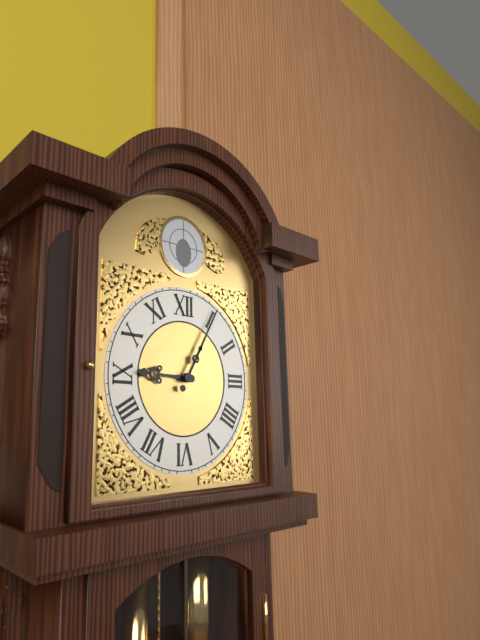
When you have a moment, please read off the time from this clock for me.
9:05
